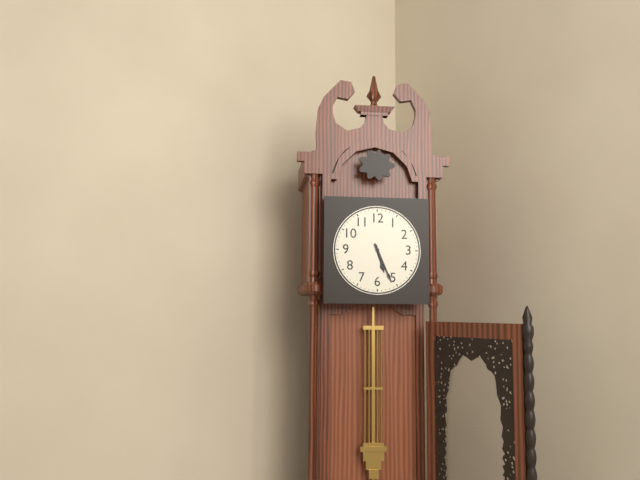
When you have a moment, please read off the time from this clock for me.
5:26
